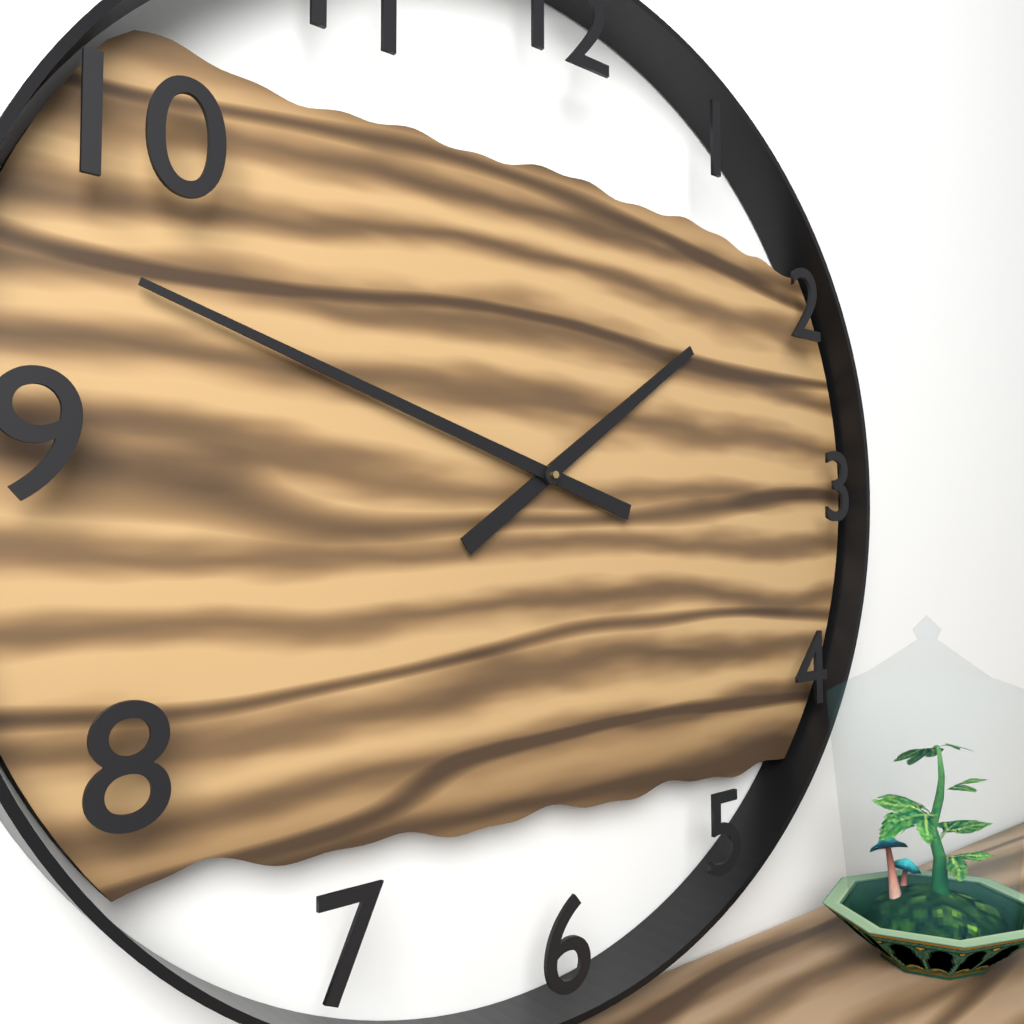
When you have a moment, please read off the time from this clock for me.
1:48
